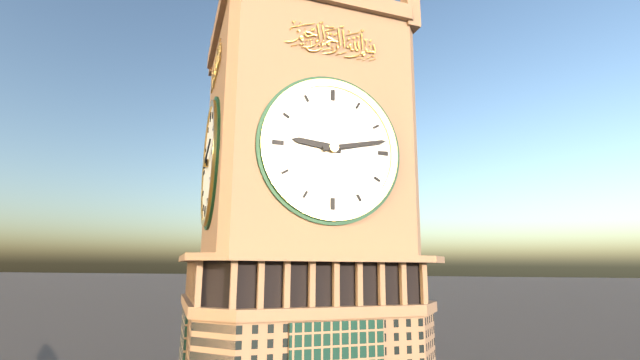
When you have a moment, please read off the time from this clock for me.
9:13
